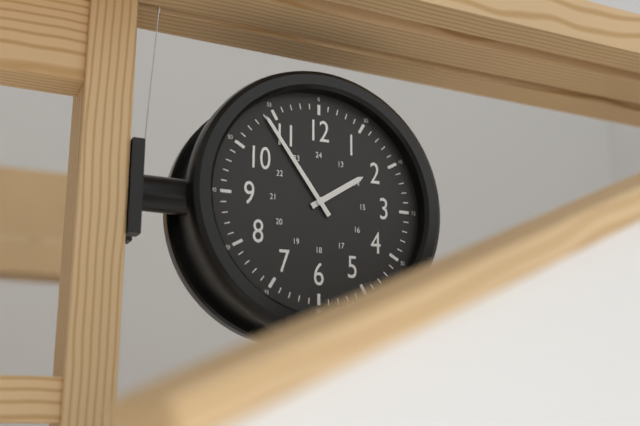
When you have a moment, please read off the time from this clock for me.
1:54
